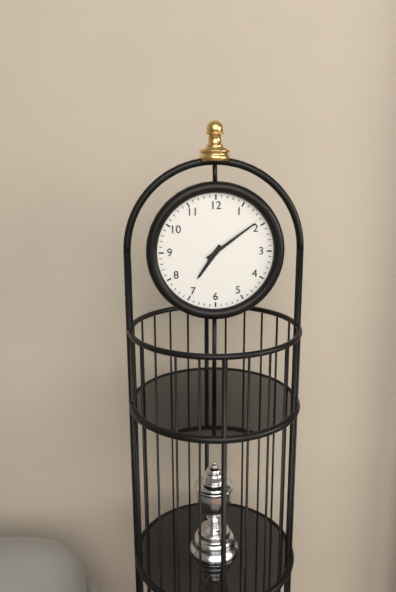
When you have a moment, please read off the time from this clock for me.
7:09
